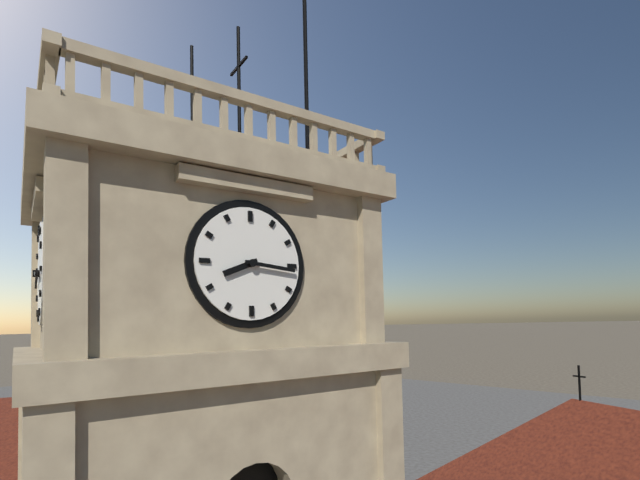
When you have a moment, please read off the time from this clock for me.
8:16
